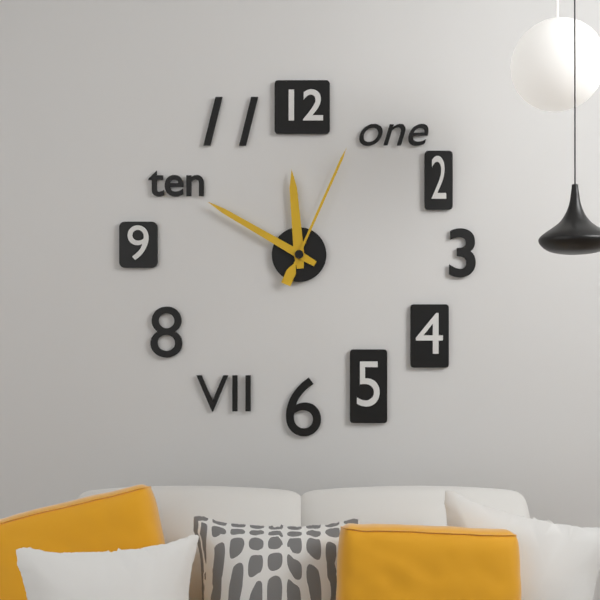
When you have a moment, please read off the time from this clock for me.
11:50:04
